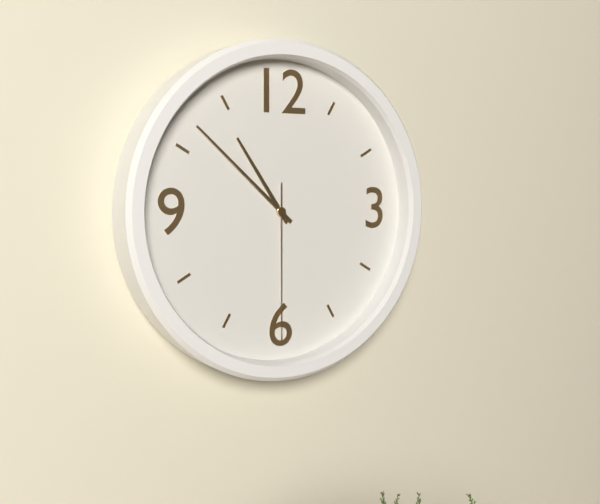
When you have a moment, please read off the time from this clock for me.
10:52:30
